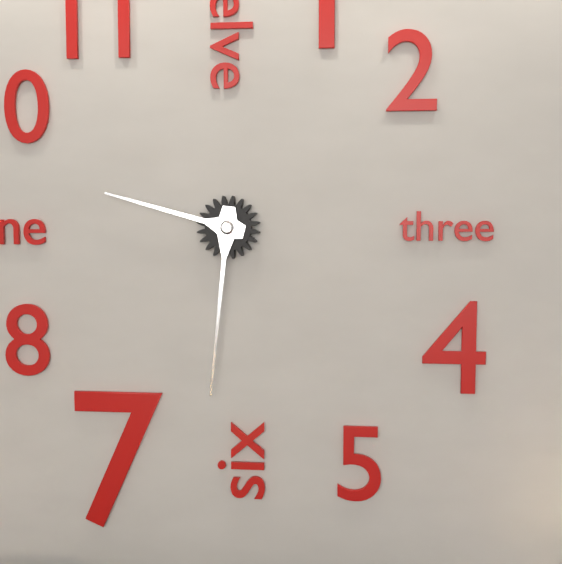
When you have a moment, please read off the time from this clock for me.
9:31
